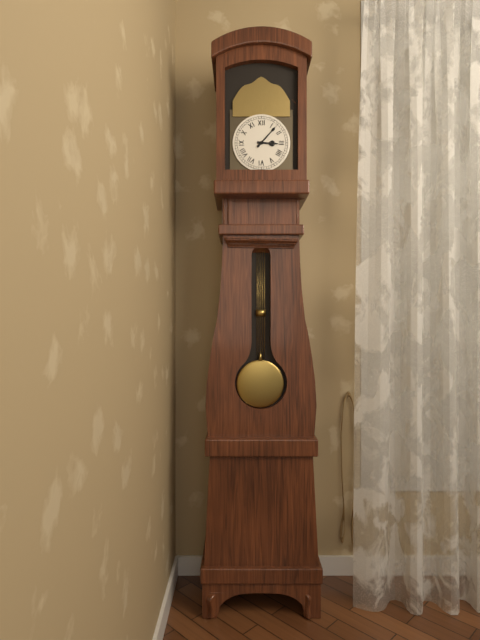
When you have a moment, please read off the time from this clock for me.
3:07
